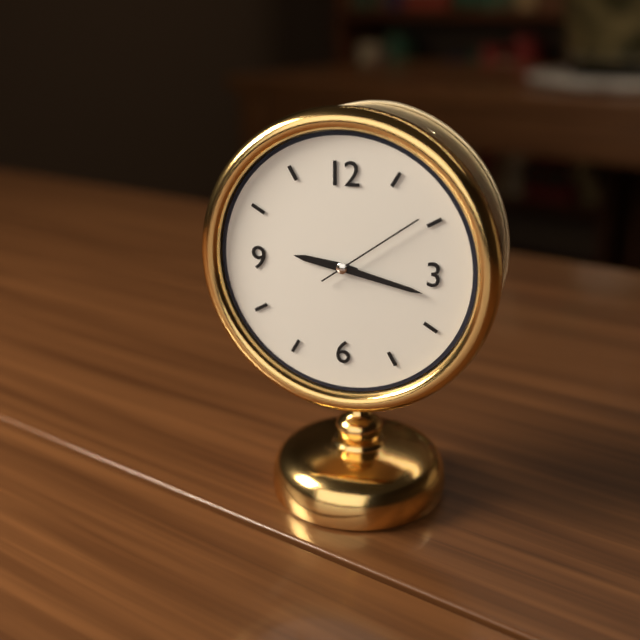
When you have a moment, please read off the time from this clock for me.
9:17:09
